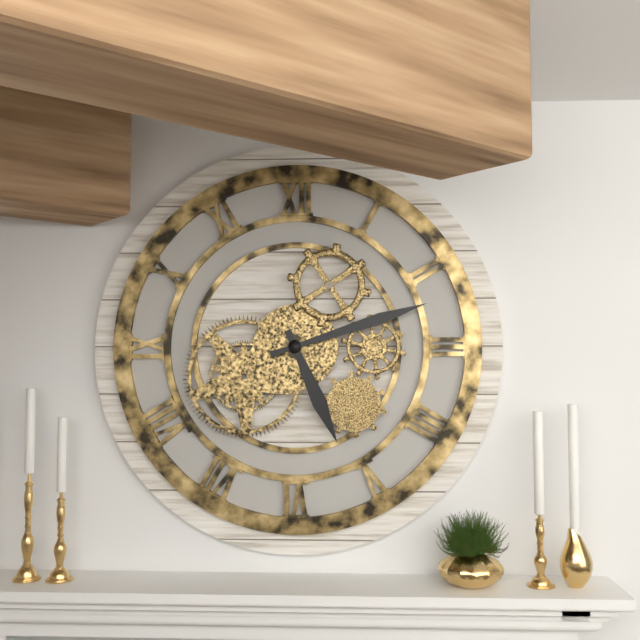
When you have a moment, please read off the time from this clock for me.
5:12
